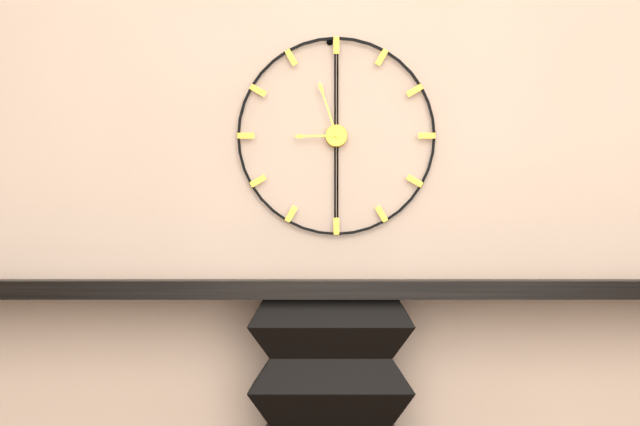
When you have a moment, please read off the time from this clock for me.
8:57
